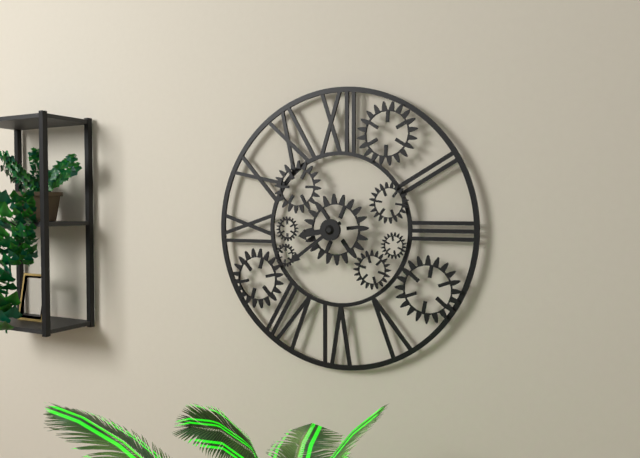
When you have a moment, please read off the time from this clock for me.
8:39
